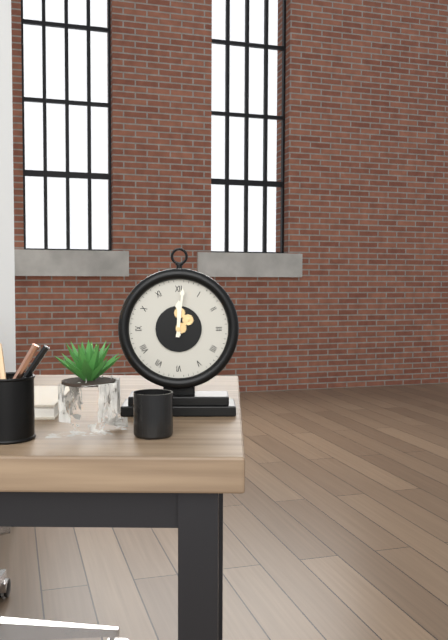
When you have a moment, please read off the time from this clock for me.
12:01
